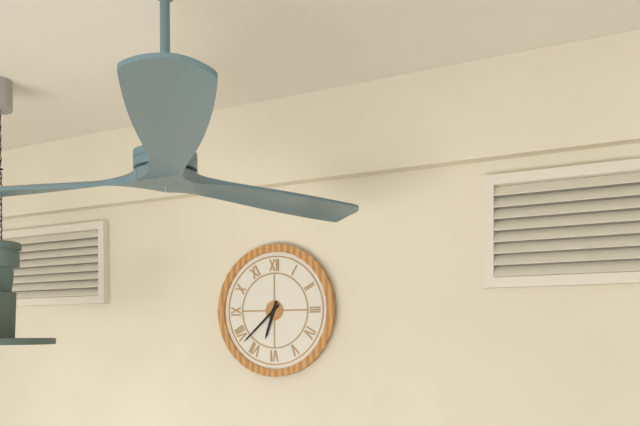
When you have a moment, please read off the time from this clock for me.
6:38
